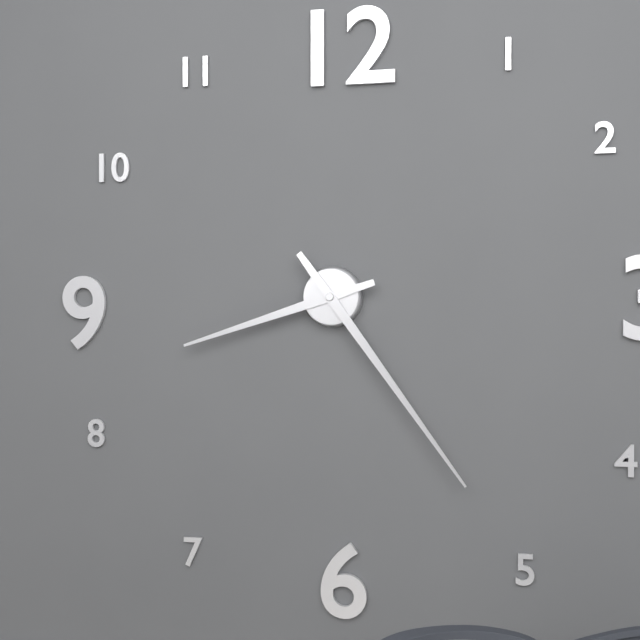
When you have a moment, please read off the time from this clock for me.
8:24
